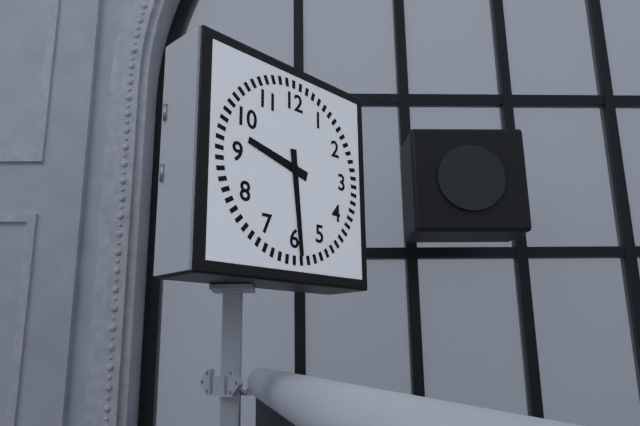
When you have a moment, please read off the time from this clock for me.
9:29
